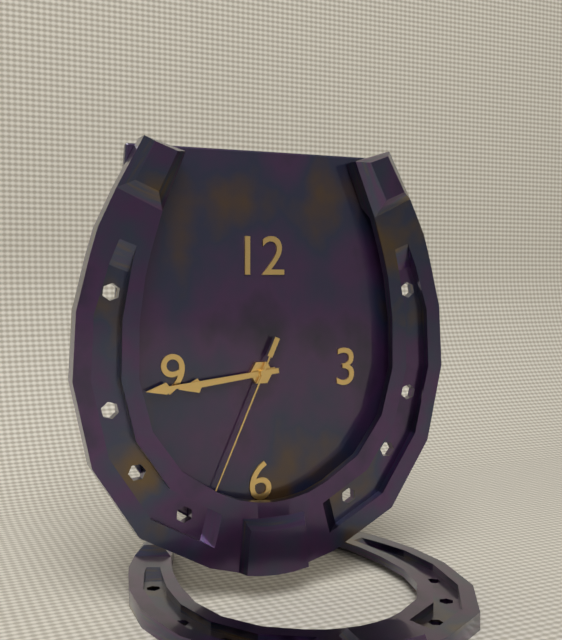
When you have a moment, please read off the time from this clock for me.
8:44:34
